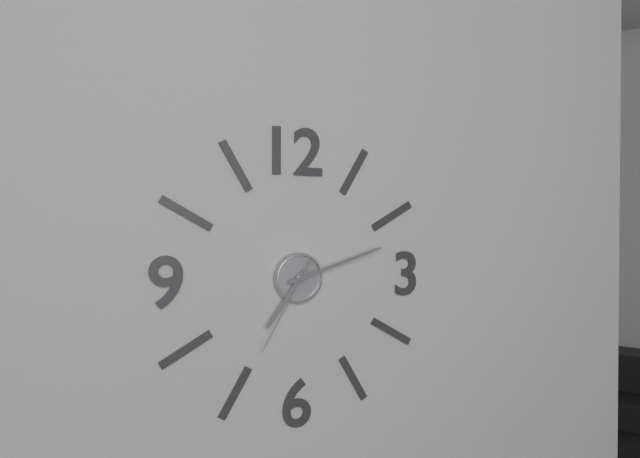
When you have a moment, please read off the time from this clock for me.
7:12:35
